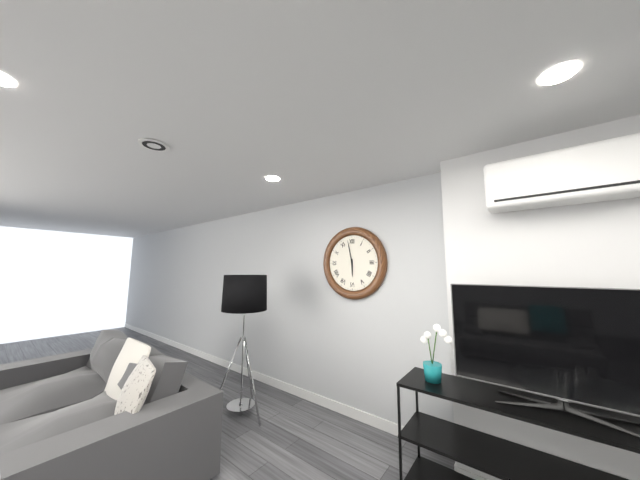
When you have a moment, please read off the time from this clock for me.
5:58
